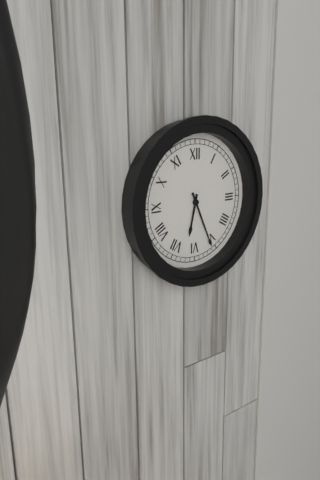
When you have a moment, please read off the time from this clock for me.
6:26
